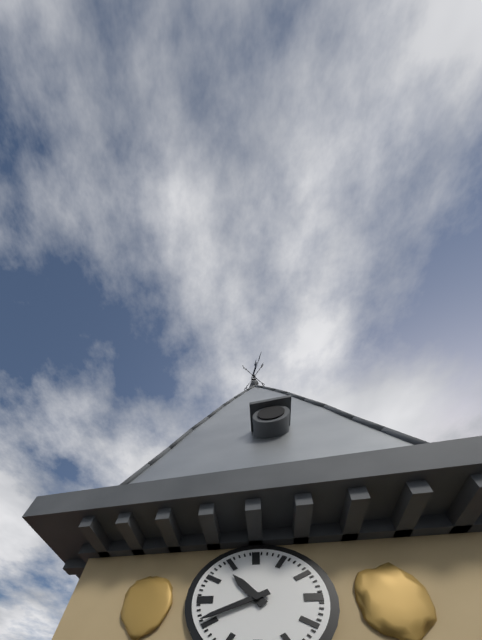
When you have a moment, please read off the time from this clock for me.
10:41
